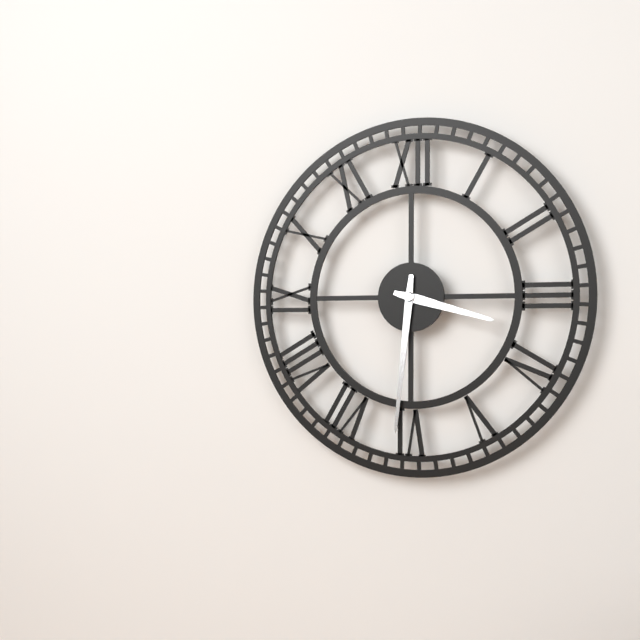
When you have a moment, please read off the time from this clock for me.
3:31
